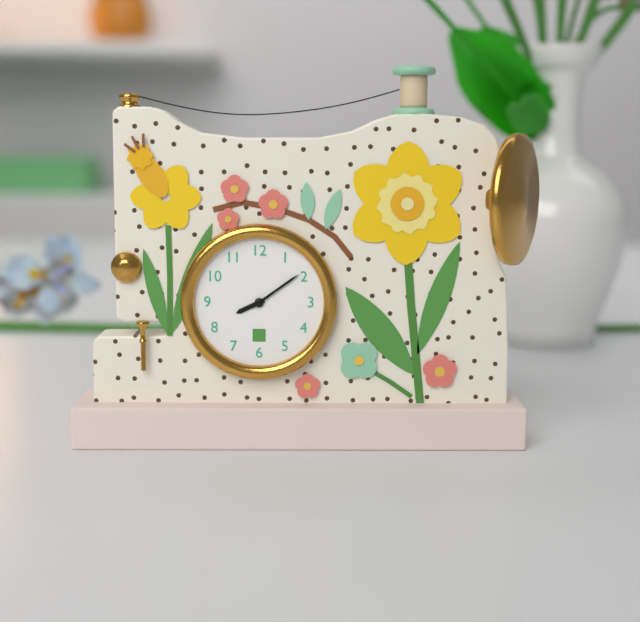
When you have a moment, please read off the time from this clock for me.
8:09
